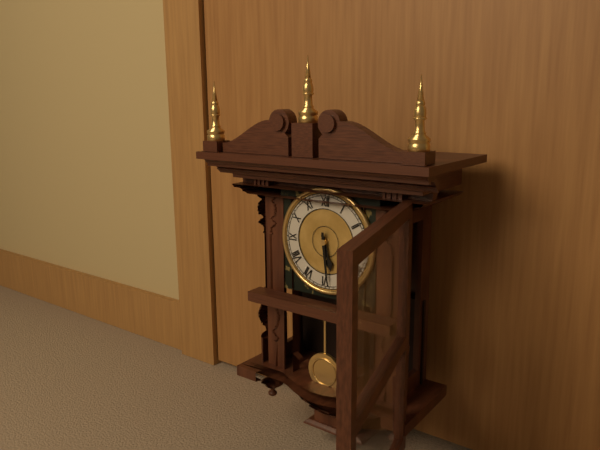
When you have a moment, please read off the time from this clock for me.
5:29
